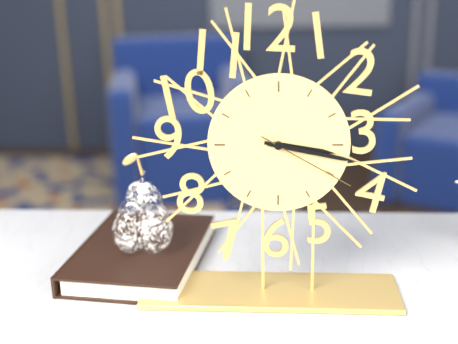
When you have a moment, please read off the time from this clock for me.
3:17:20
